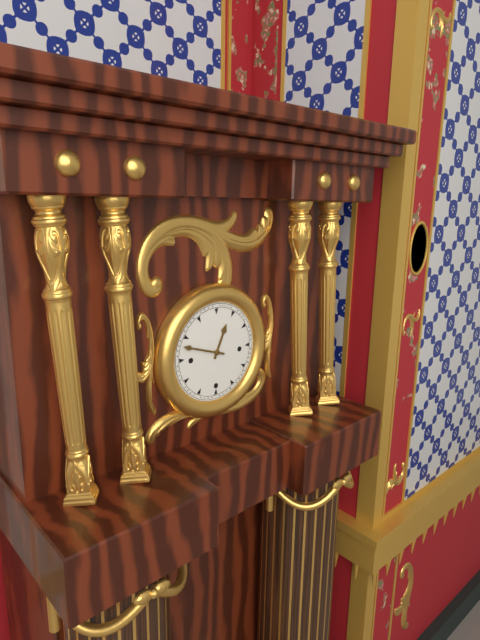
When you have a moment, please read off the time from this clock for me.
12:48
